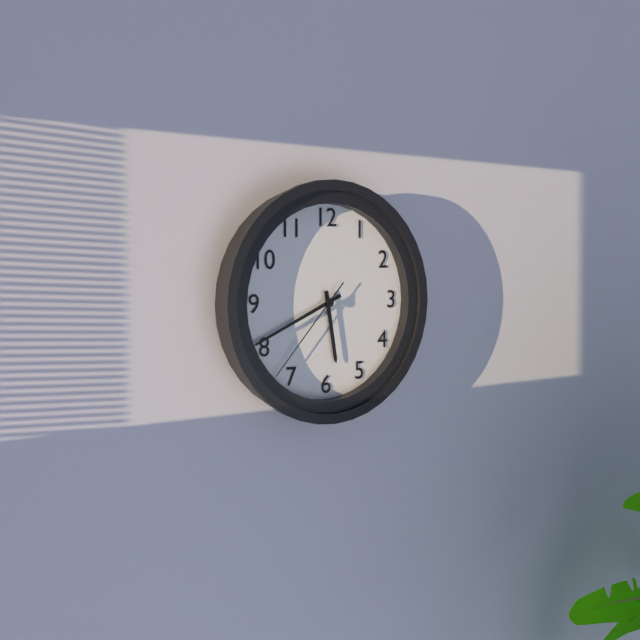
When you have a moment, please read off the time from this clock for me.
5:41:37
